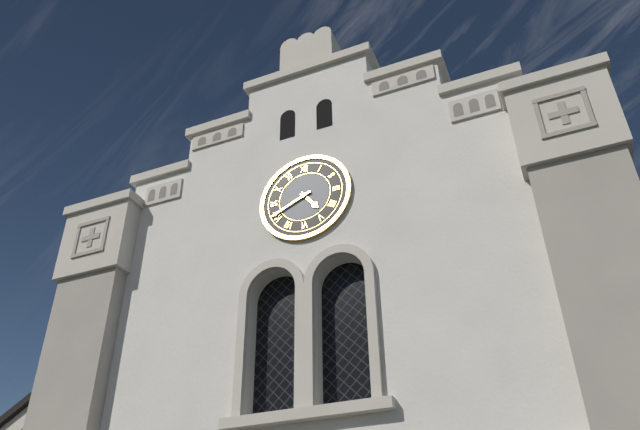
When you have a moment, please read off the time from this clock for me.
4:41
